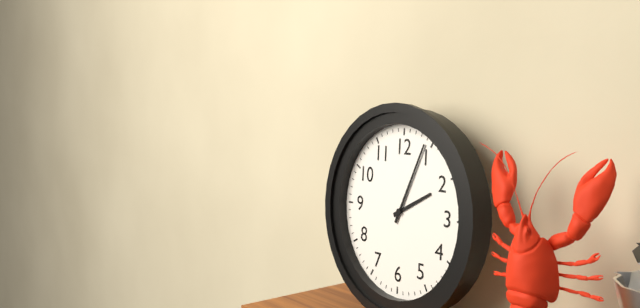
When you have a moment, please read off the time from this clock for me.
2:04
